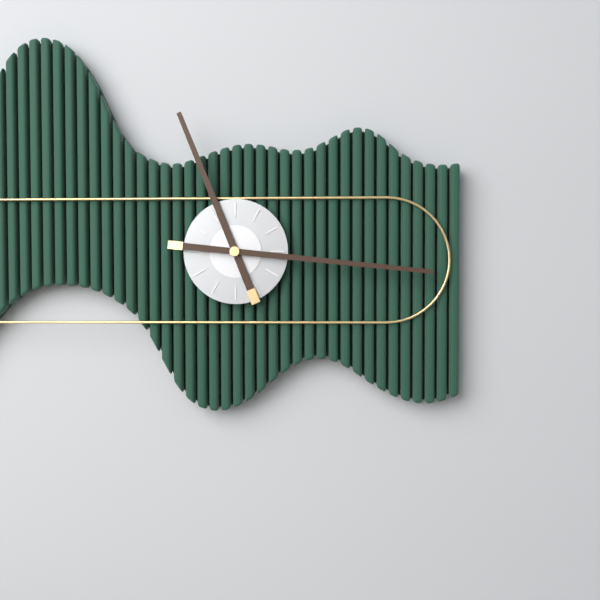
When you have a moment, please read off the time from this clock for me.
11:16
